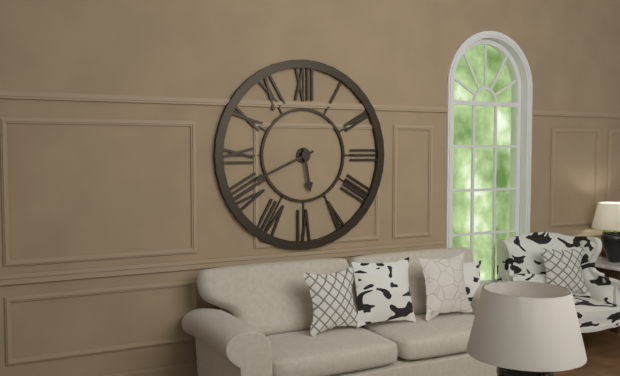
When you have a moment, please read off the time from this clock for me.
5:41
